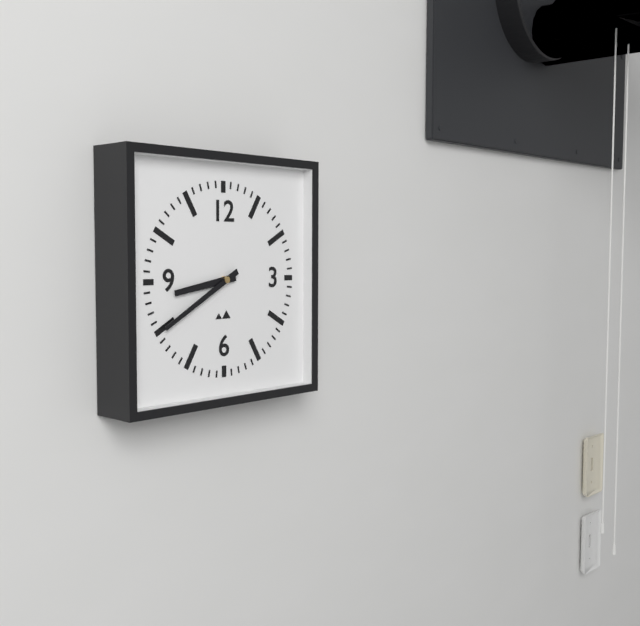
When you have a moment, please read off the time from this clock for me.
8:40
